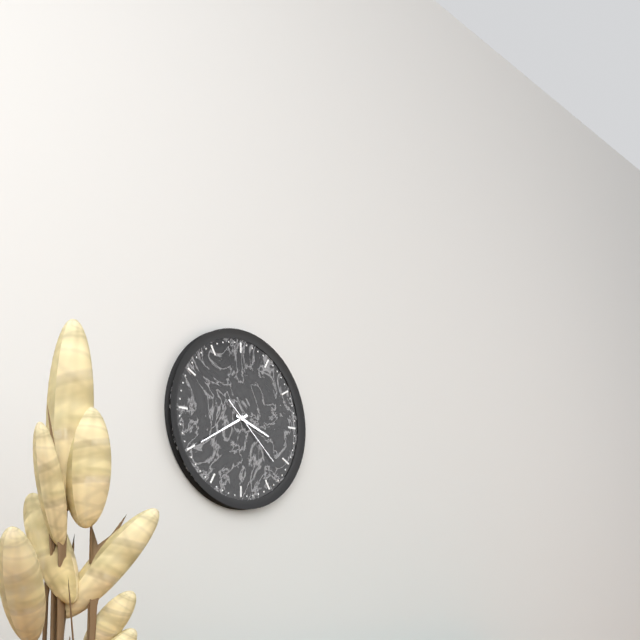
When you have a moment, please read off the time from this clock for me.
3:40:22
